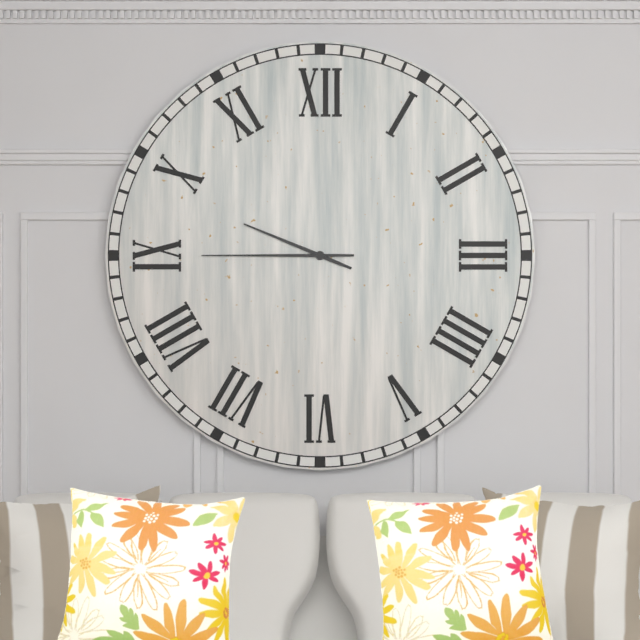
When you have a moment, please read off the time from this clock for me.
9:45
